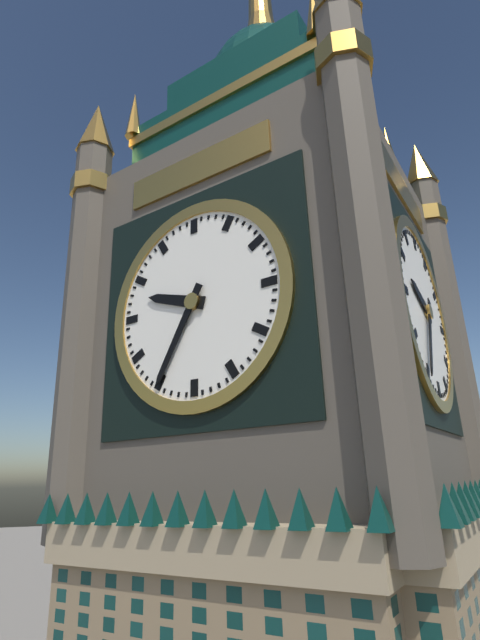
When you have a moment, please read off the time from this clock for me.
9:35
